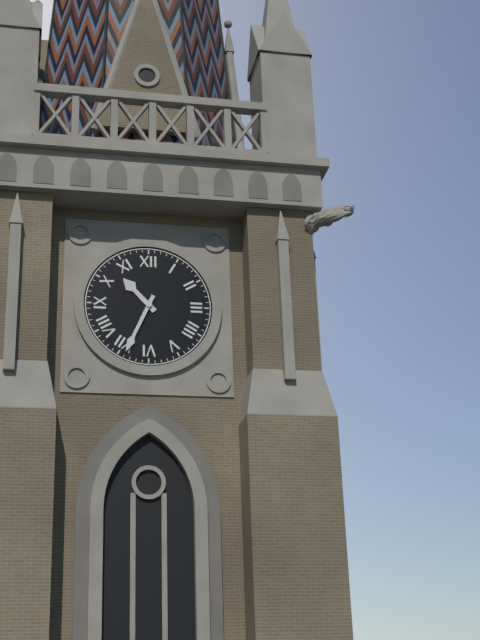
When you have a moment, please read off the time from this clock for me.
10:34
